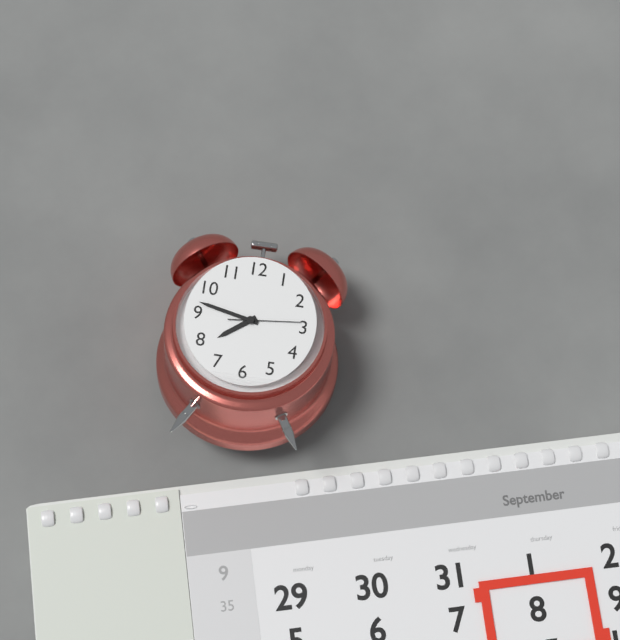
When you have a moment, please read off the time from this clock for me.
7:47:14
